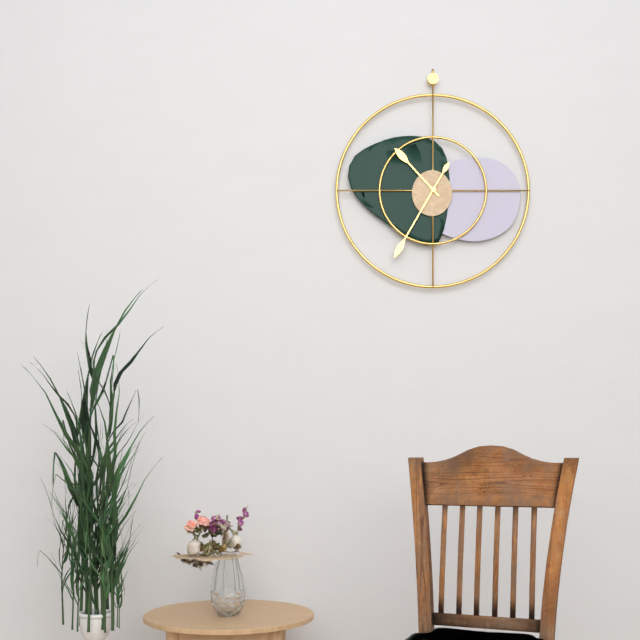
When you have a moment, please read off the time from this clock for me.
10:35
